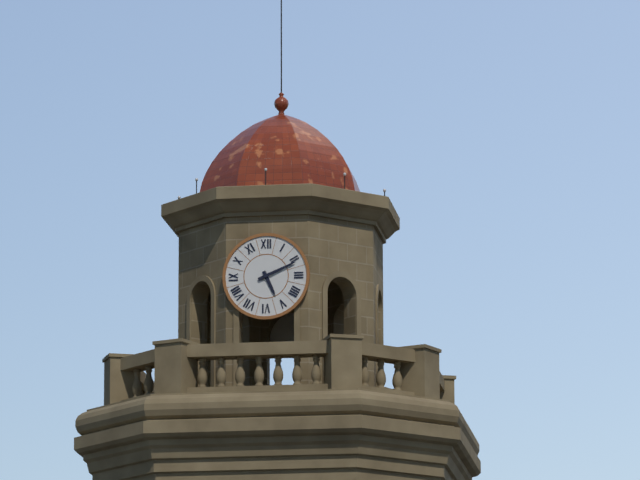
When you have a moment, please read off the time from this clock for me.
5:11
